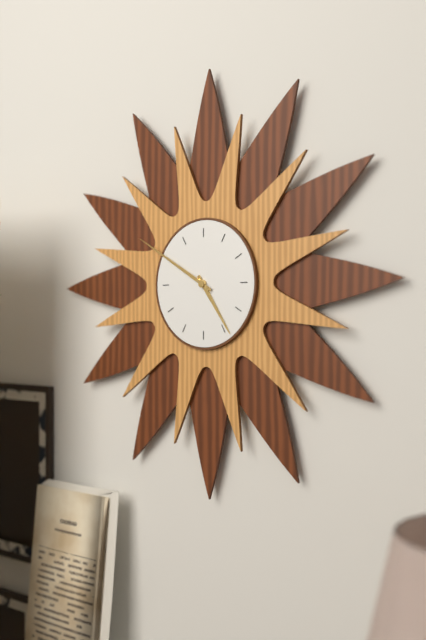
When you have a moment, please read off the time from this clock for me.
4:50
